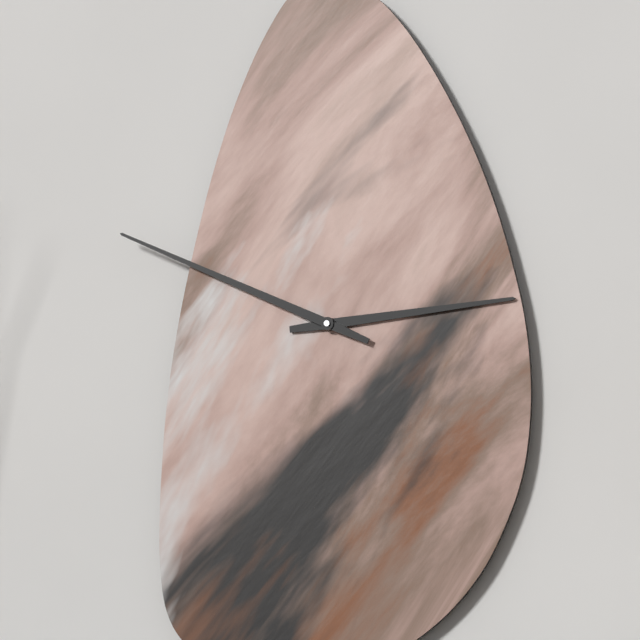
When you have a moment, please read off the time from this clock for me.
2:49
